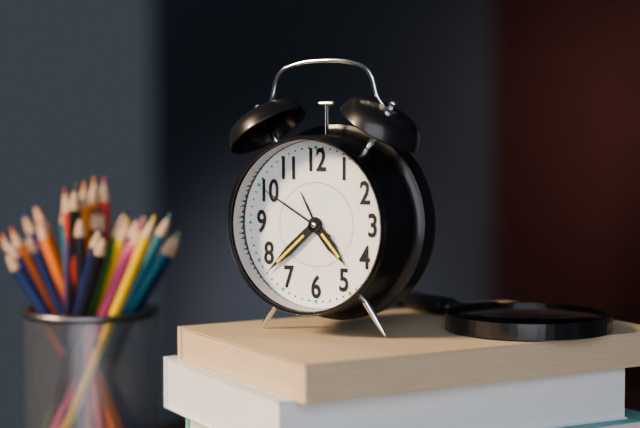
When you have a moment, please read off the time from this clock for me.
4:38:50
